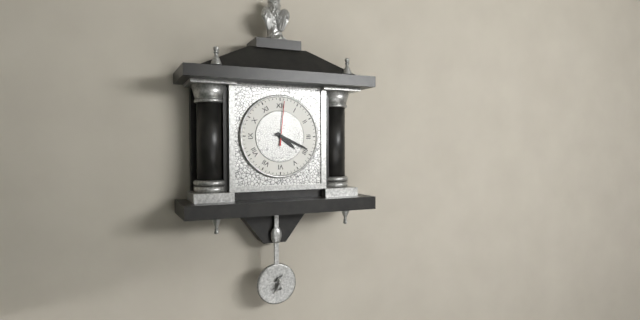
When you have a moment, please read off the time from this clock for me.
4:19:01
